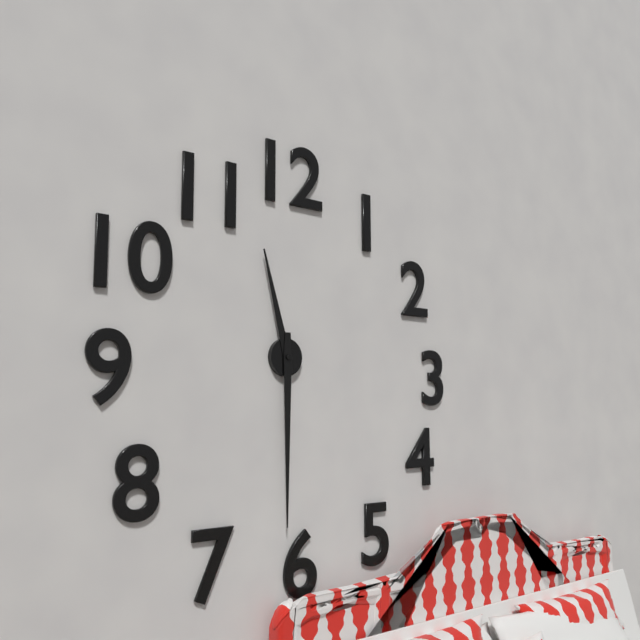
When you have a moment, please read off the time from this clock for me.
11:30
